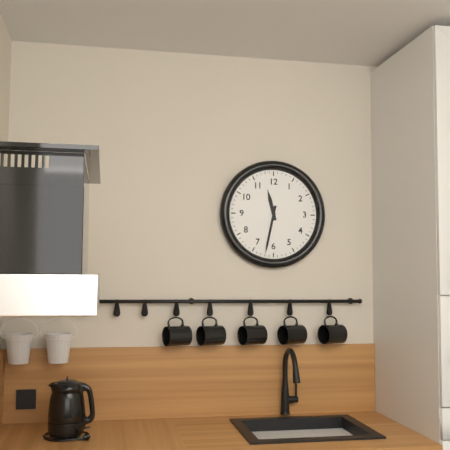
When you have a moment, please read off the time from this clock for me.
11:32
